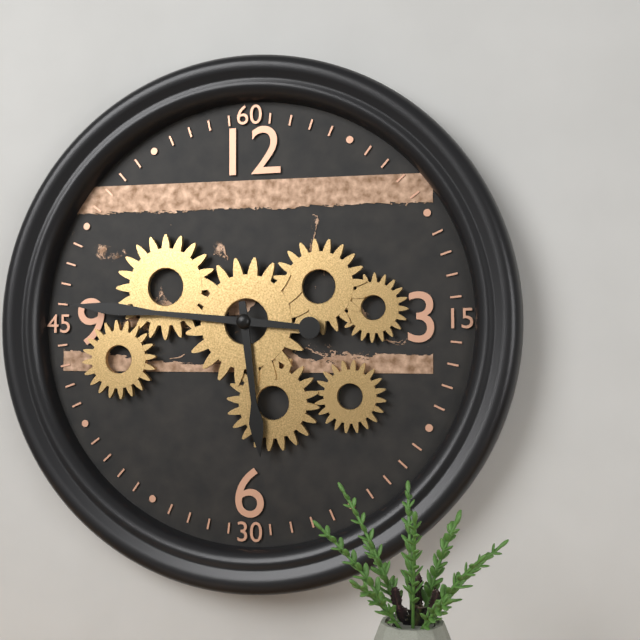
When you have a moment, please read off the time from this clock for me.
5:46
